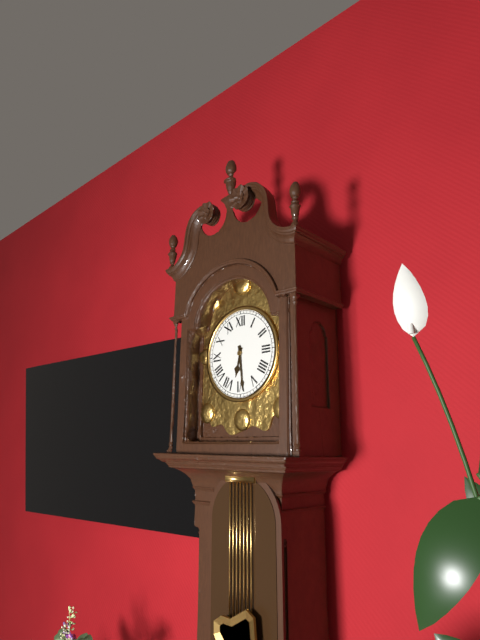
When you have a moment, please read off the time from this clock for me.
6:29
